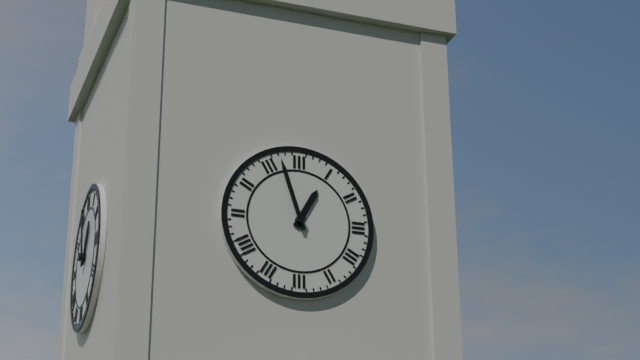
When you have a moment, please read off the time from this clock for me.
12:57
